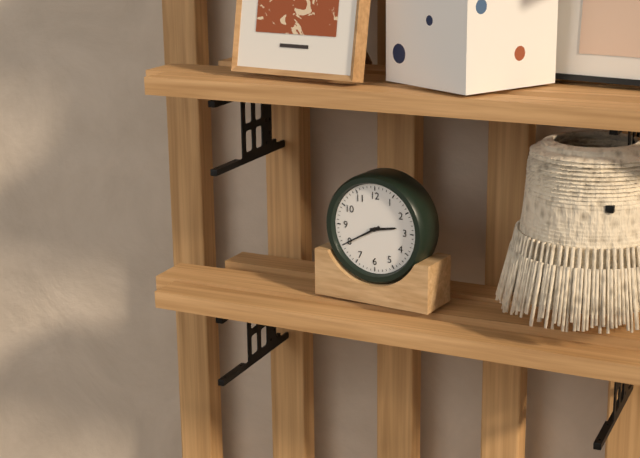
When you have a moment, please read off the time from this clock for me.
2:40
